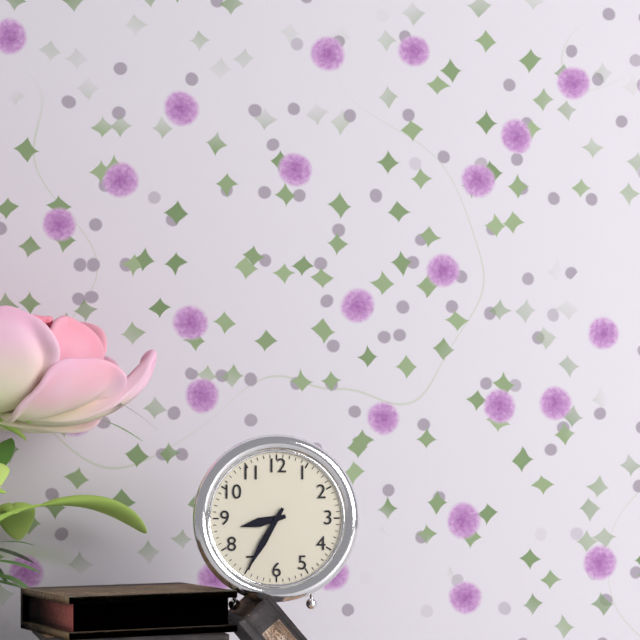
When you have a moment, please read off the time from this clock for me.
8:35
